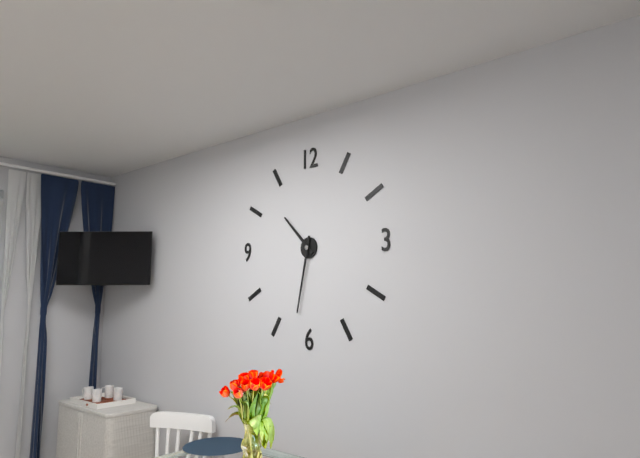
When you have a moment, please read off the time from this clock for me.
10:32
